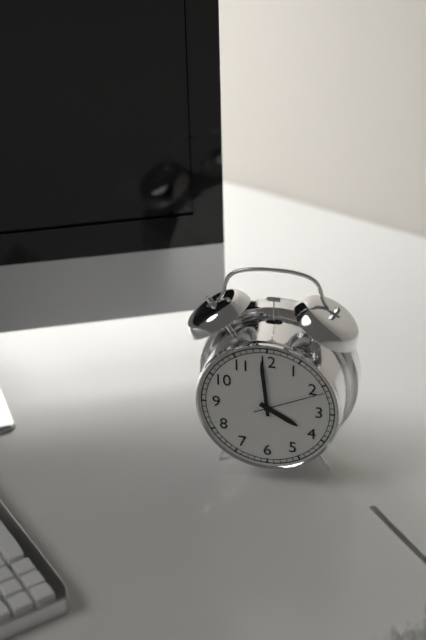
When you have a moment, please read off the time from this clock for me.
3:59:11
